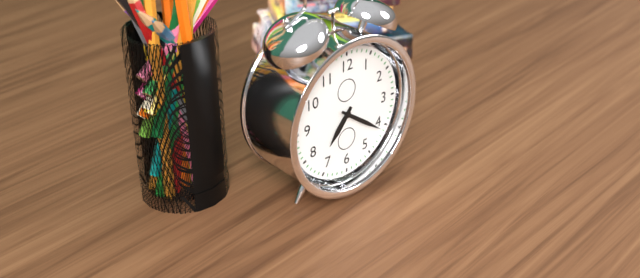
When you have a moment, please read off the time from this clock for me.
7:21
